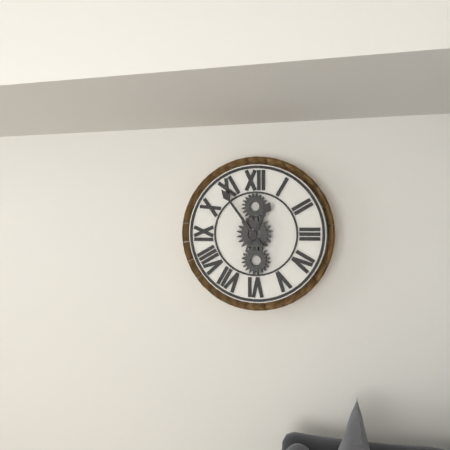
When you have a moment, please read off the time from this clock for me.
12:54
